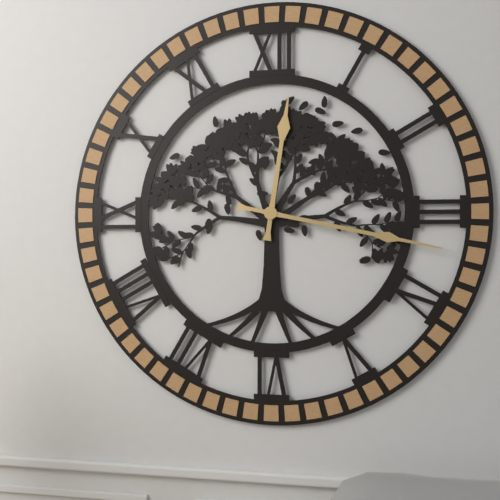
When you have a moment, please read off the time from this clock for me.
12:17
